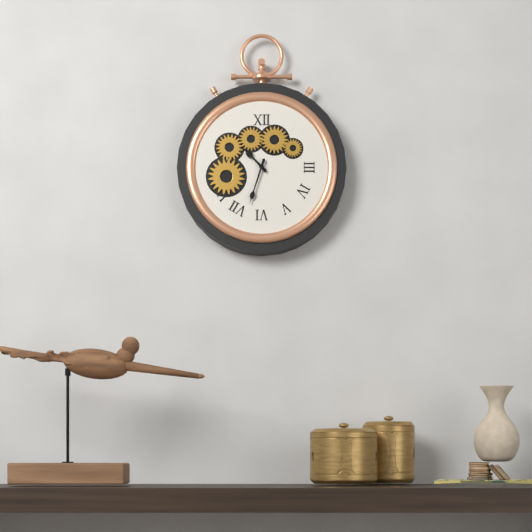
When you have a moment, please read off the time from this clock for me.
10:33
